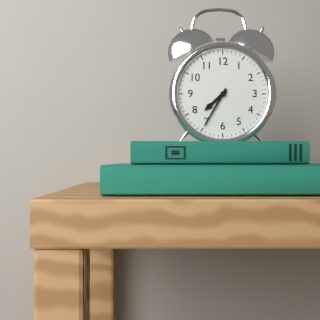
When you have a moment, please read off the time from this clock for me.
7:35
